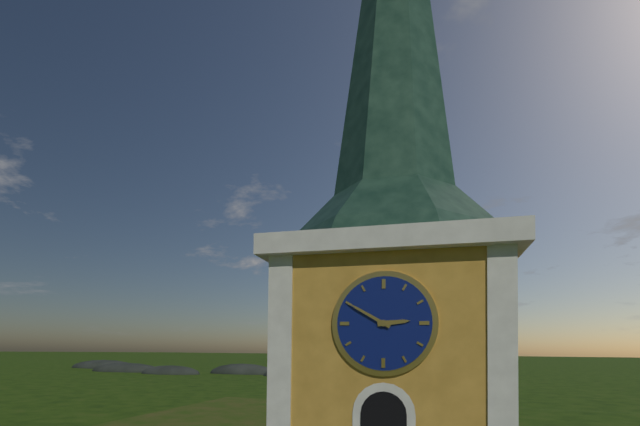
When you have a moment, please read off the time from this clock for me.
2:50
